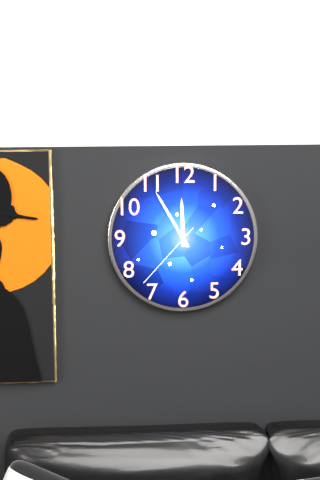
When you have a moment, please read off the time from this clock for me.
11:55:37
